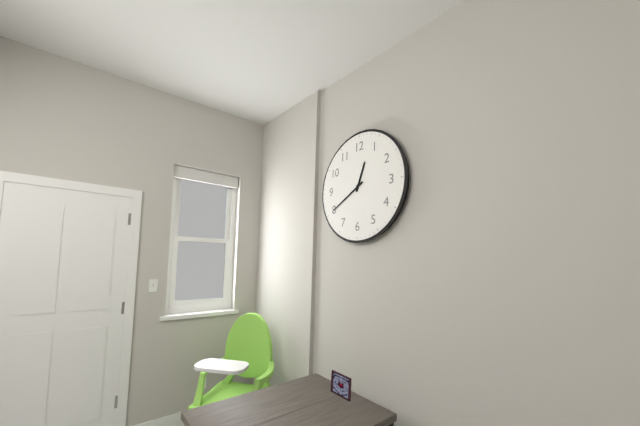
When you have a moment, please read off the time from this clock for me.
12:40
